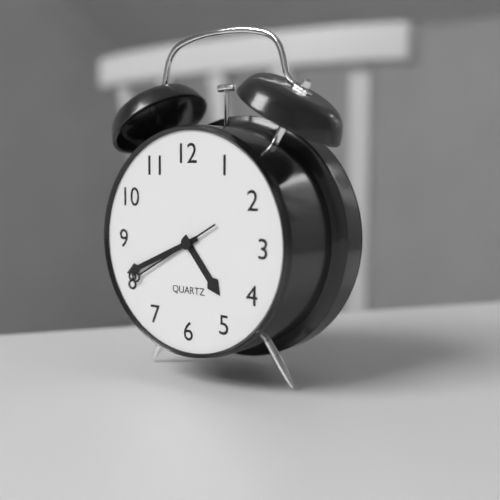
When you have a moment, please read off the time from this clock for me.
4:41:40
